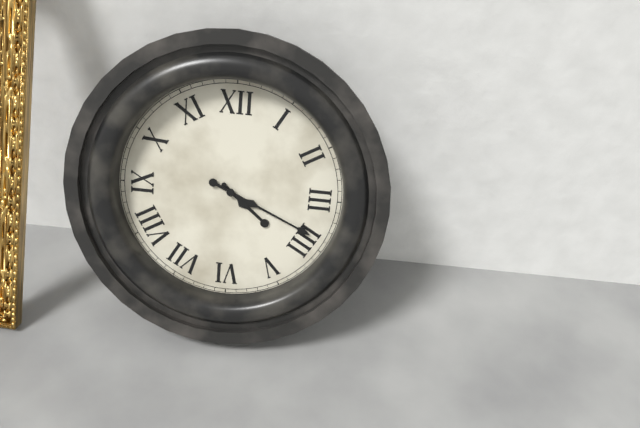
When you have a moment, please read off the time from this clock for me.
4:19
